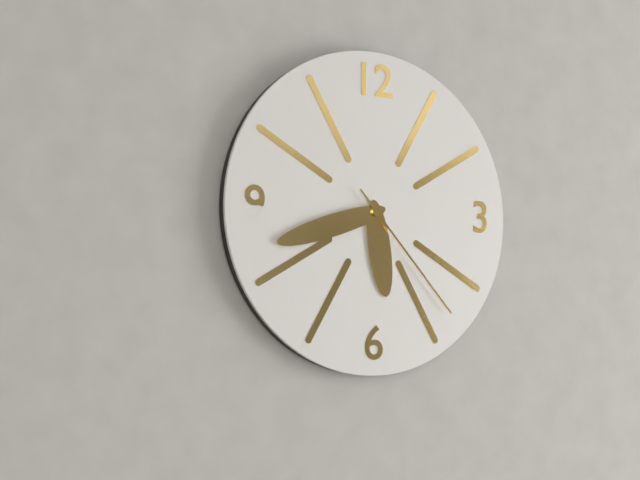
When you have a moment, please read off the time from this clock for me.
5:42:23
